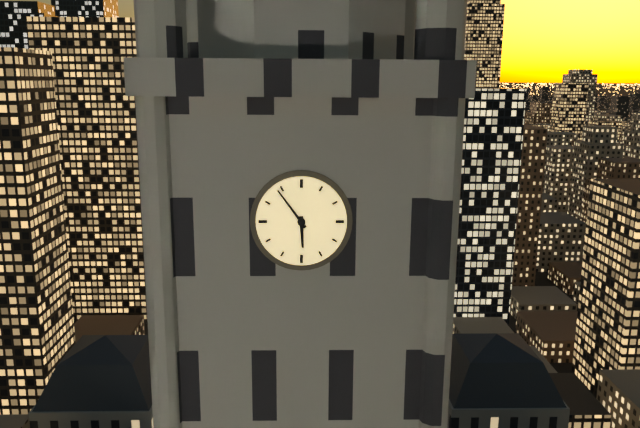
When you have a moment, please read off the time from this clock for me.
5:54
